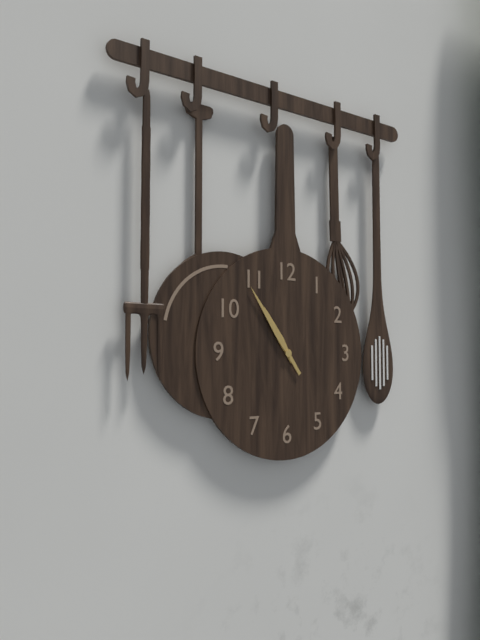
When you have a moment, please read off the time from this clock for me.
10:54
